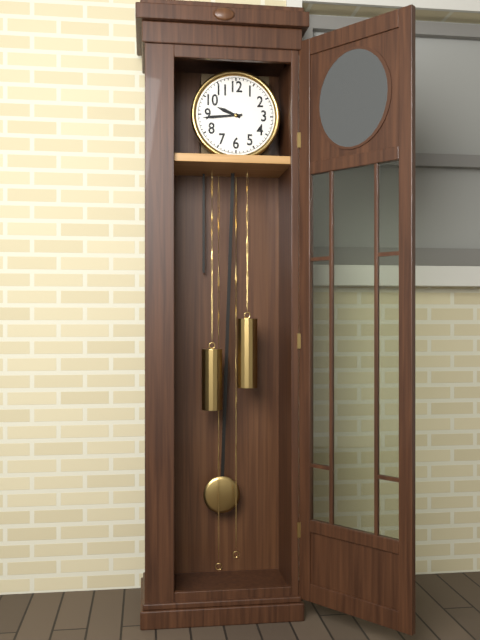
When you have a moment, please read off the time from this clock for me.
9:44
